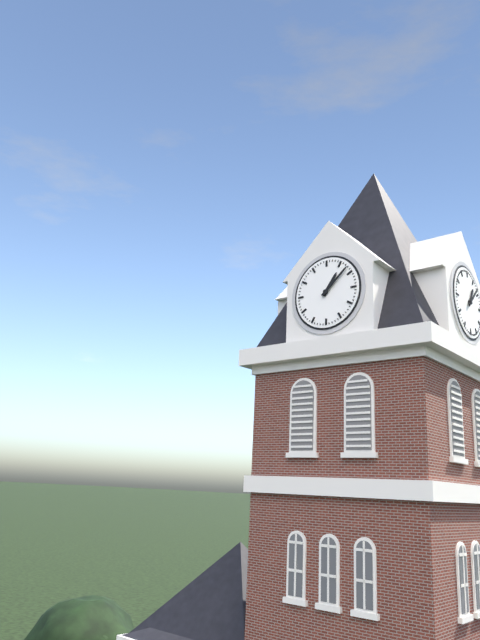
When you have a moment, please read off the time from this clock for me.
1:08
